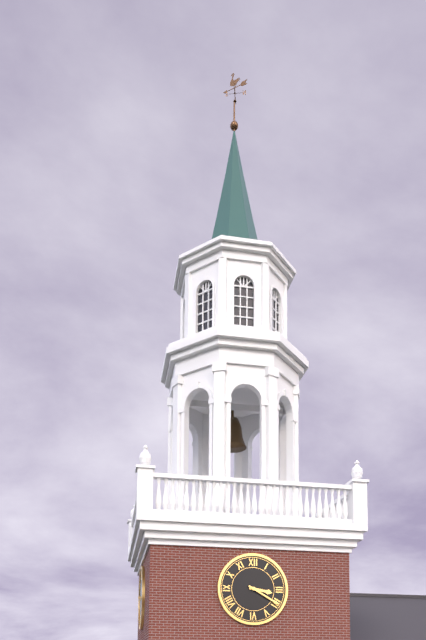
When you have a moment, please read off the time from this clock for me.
3:20
